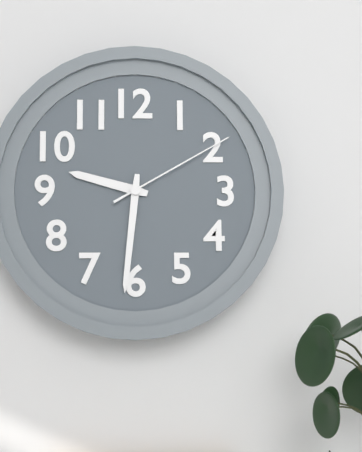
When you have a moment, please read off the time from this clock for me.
9:31:10
